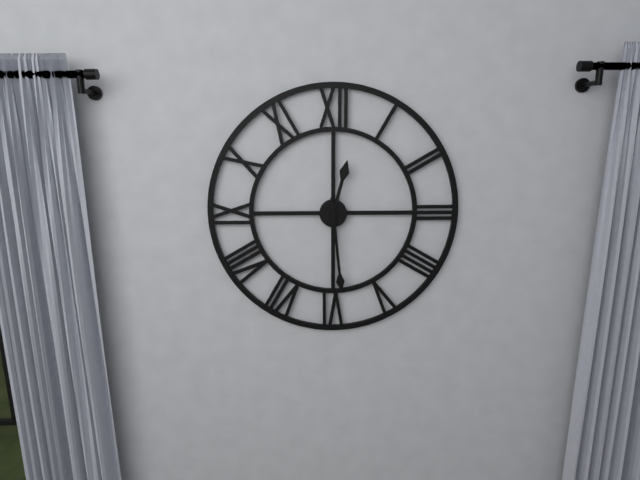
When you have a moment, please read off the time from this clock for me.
12:29
